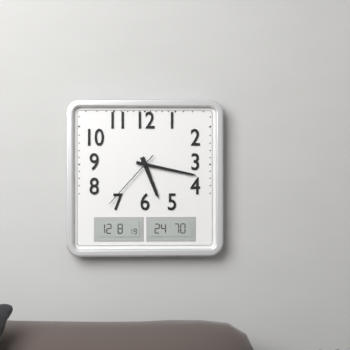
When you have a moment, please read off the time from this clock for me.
5:17:37
